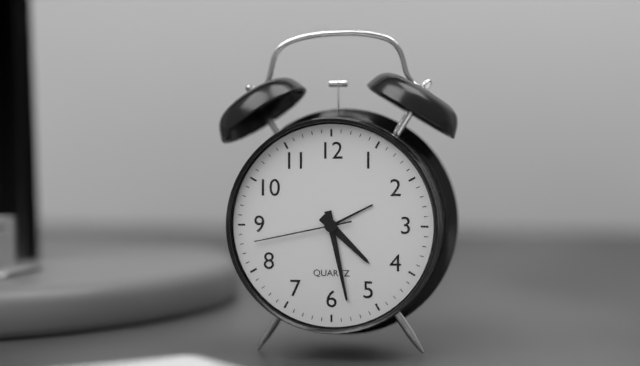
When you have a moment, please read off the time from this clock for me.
4:28:43
